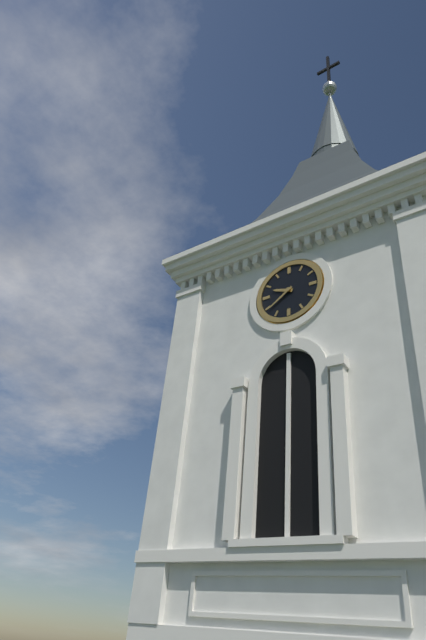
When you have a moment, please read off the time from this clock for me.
9:39
